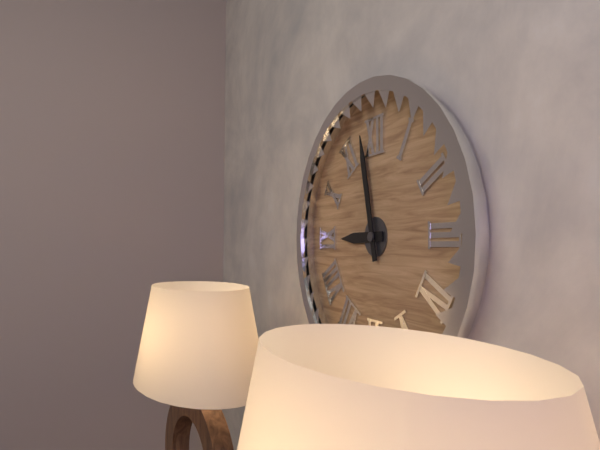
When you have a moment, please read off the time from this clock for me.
8:58
